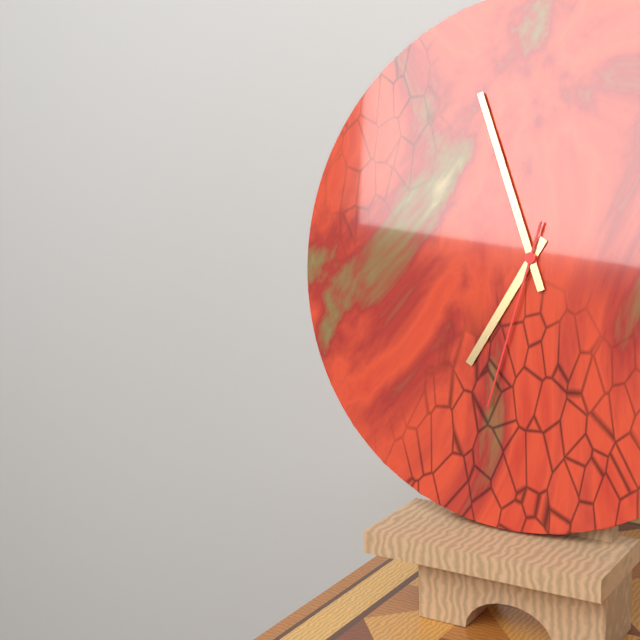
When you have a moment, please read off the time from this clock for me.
6:56:32
